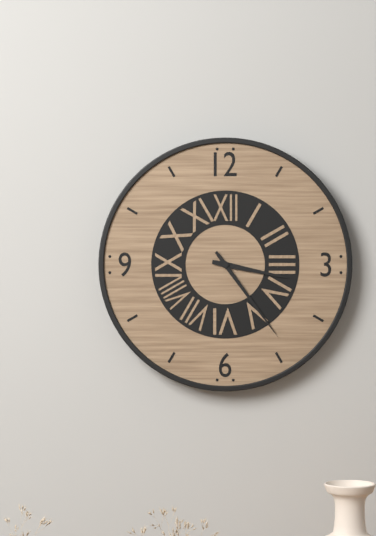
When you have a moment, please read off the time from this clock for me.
3:24
